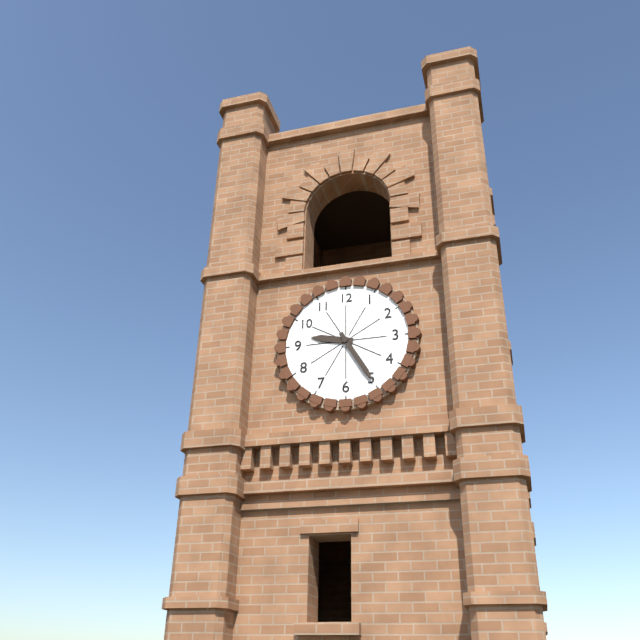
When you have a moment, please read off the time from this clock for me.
9:25
